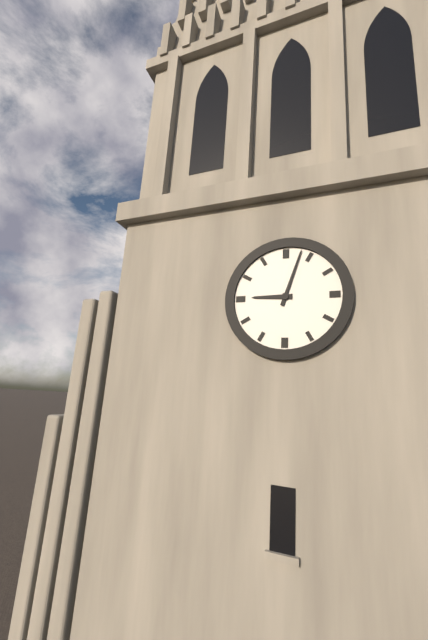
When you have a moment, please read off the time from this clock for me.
9:03
